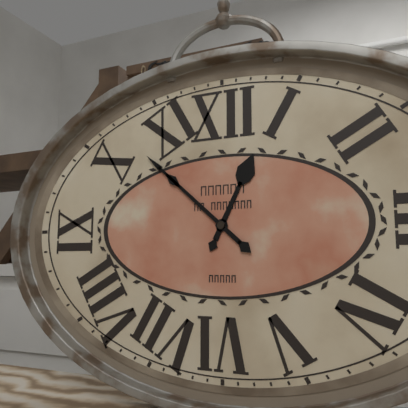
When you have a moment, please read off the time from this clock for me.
12:52
